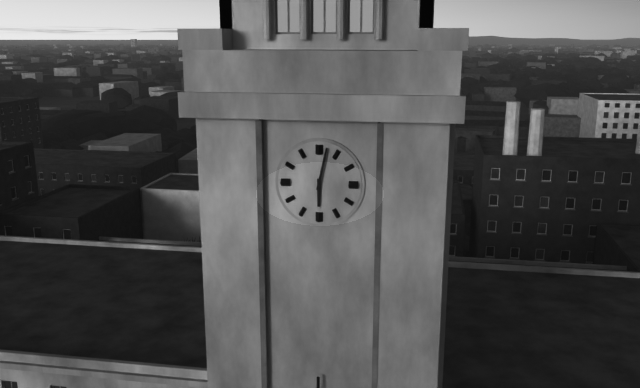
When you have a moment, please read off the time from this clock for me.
6:02
